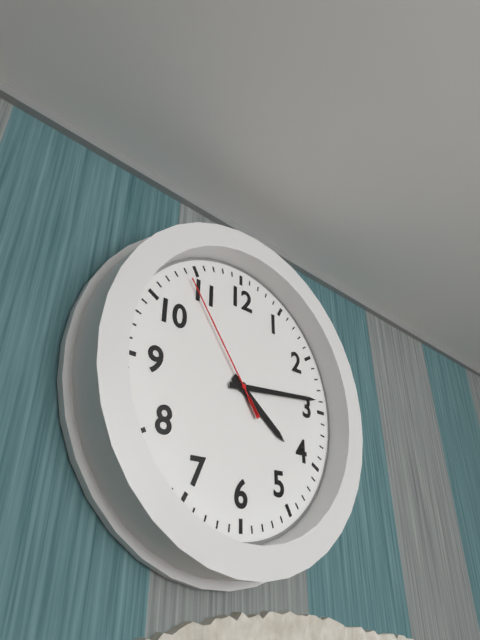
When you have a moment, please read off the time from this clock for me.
4:14:54
